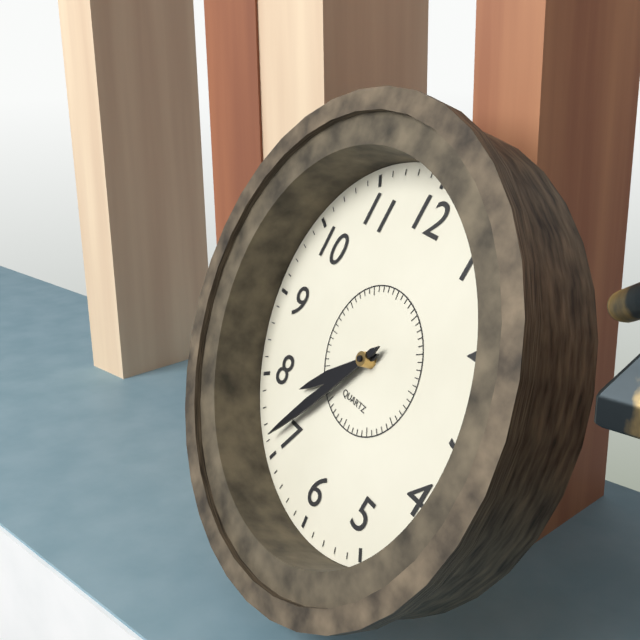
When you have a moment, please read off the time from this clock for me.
7:36
